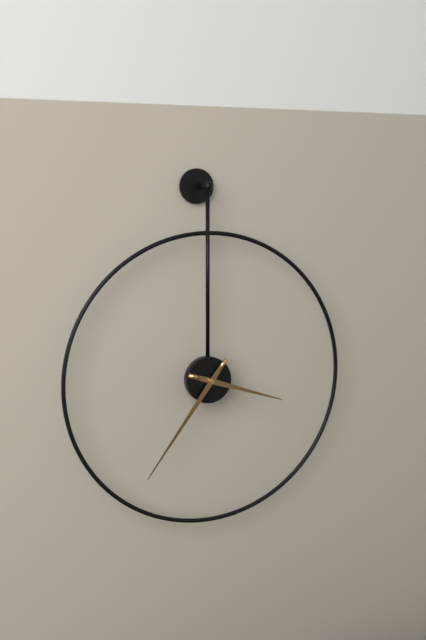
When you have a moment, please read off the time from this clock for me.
3:36
